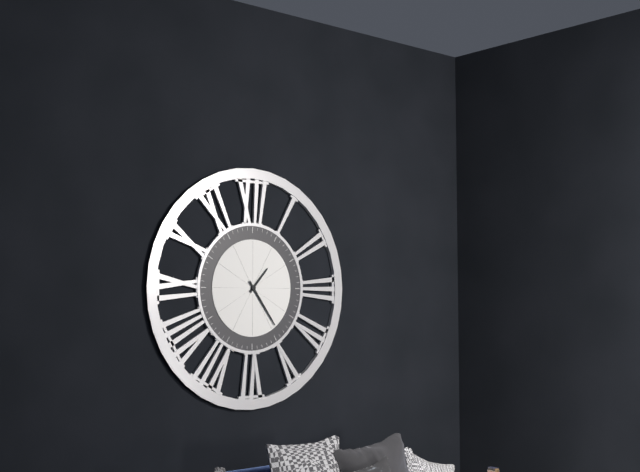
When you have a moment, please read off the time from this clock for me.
1:24
